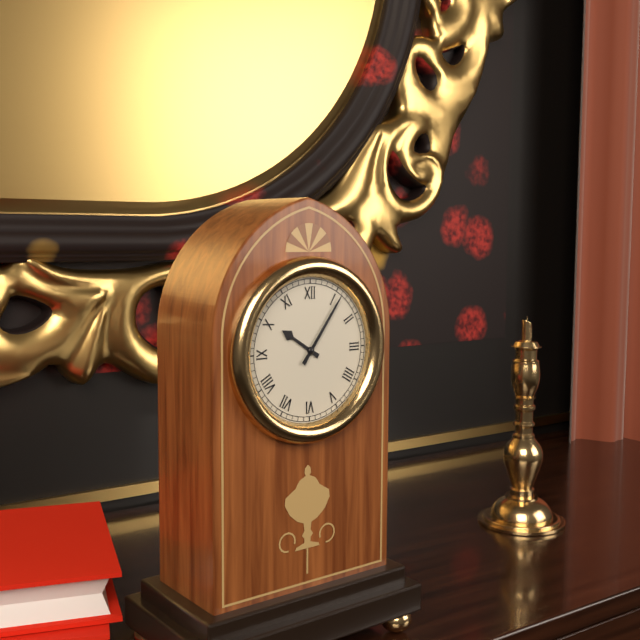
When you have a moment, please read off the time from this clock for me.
10:06
